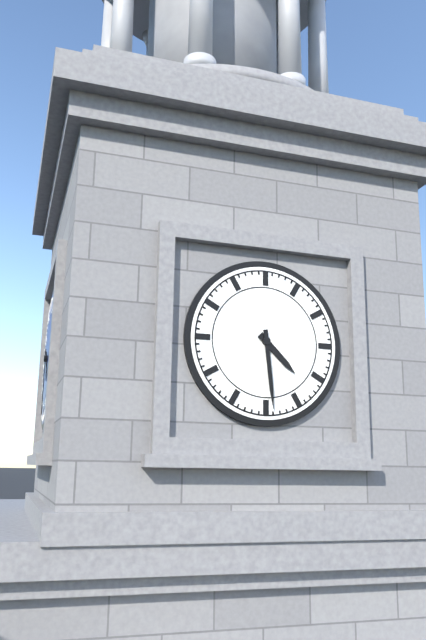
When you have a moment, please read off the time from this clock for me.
4:29
